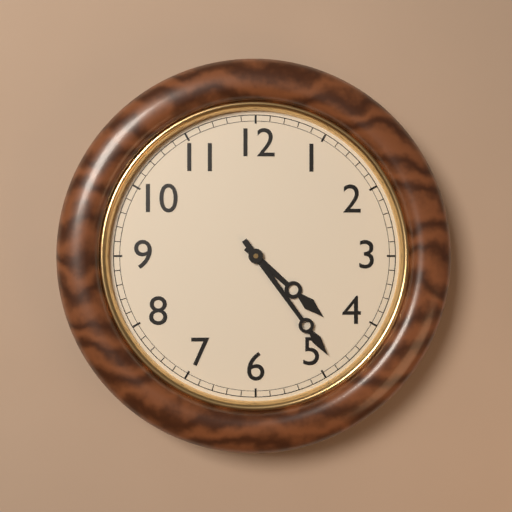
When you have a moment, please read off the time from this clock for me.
4:24
